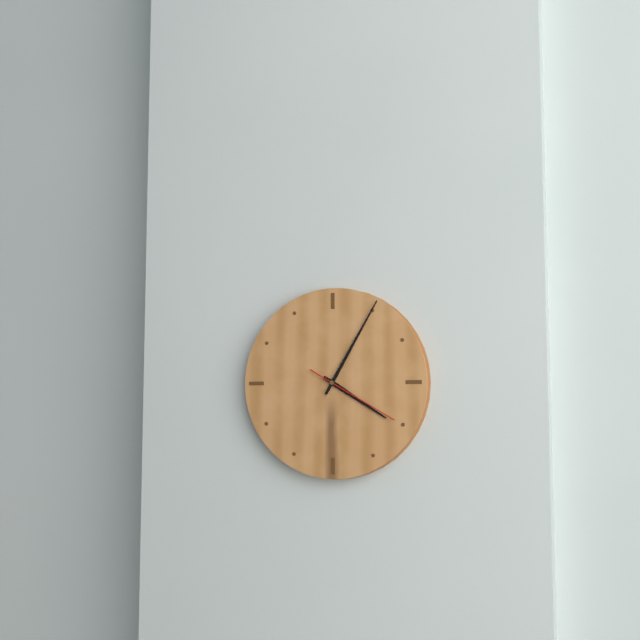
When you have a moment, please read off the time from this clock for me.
4:05:20
